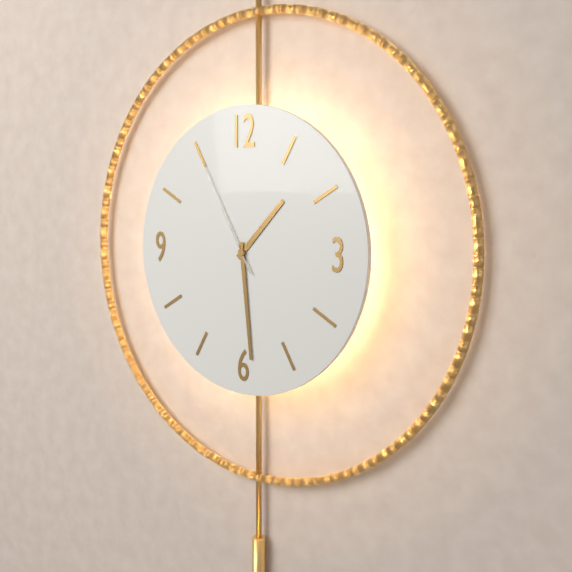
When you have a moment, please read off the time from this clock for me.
1:29:55
